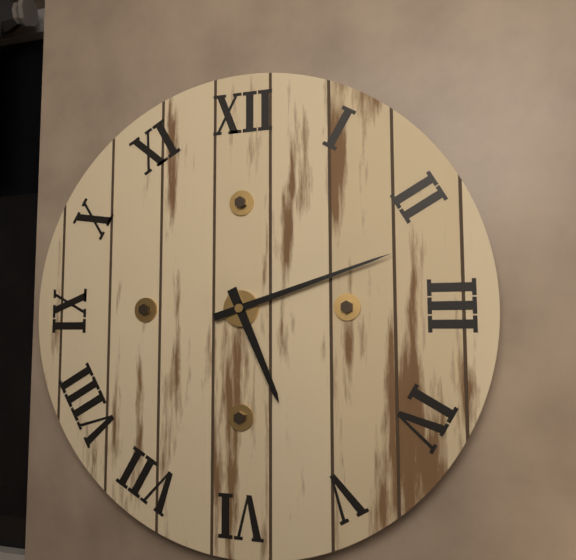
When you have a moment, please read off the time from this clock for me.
5:12
